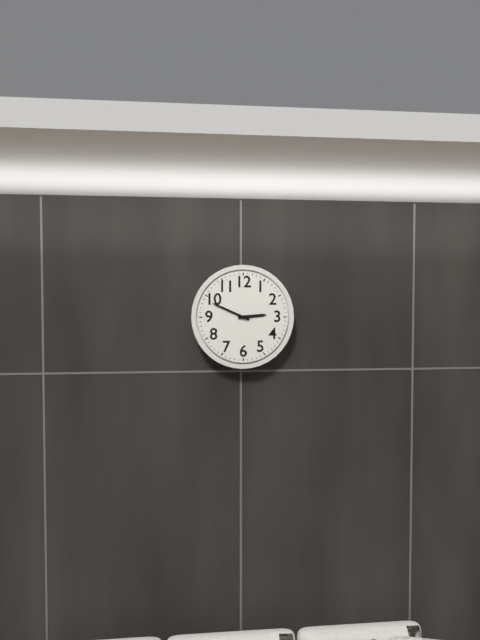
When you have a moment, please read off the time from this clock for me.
2:49
